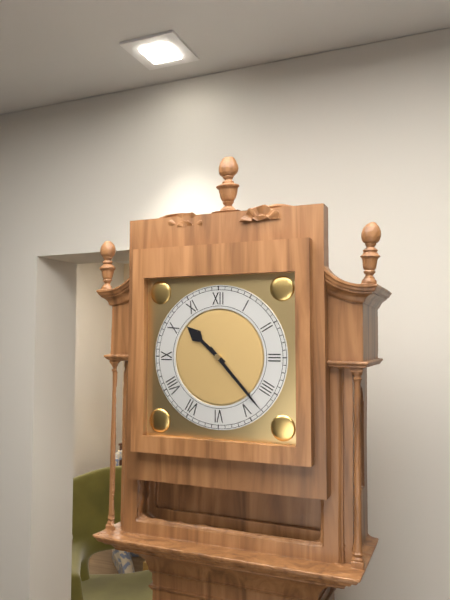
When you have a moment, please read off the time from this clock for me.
10:23
